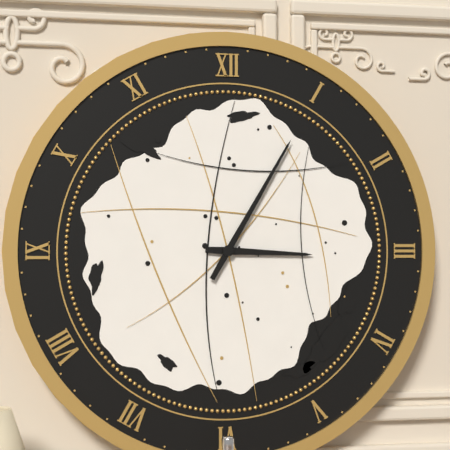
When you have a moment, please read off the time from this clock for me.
3:05
